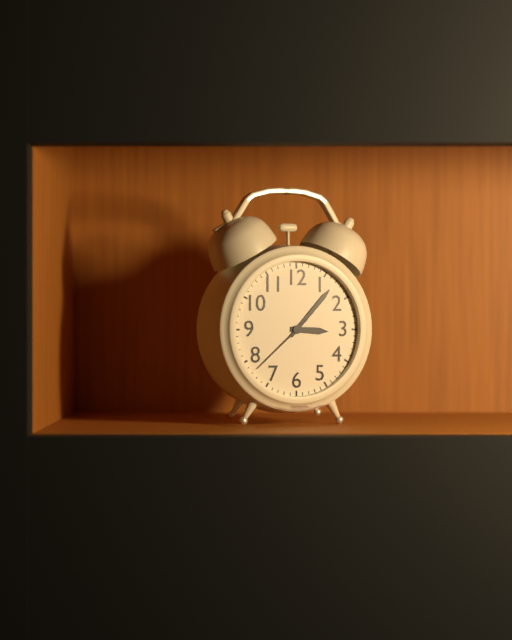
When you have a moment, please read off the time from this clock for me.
3:07:38
